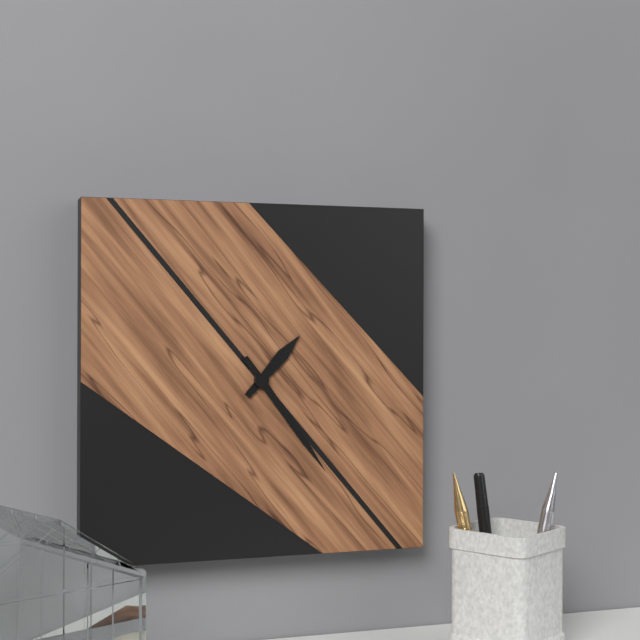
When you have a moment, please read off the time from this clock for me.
1:24
